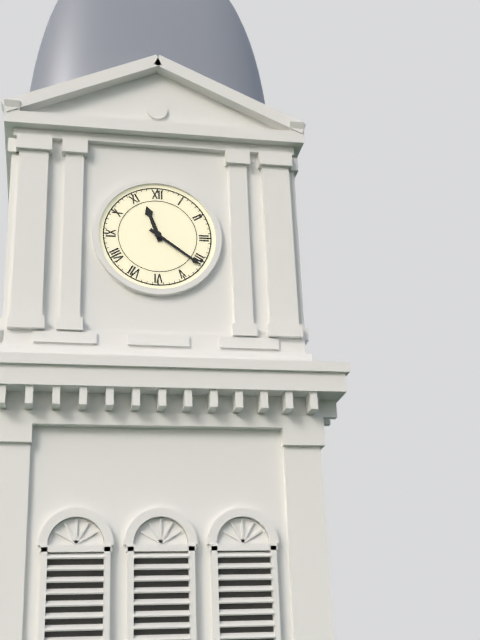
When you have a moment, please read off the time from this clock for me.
11:21
